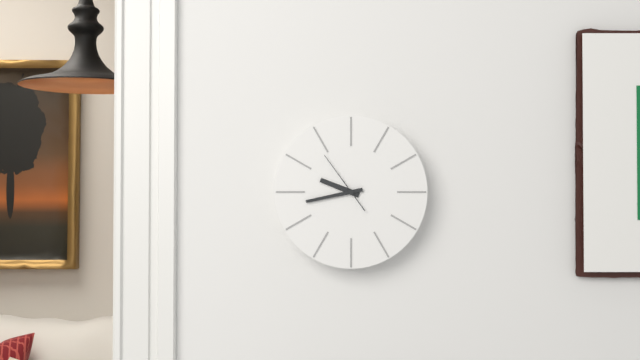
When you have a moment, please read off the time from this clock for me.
9:43:54
